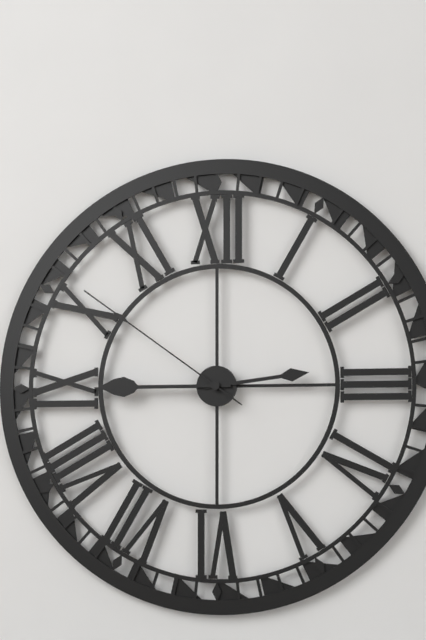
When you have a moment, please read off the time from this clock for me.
2:45:51
